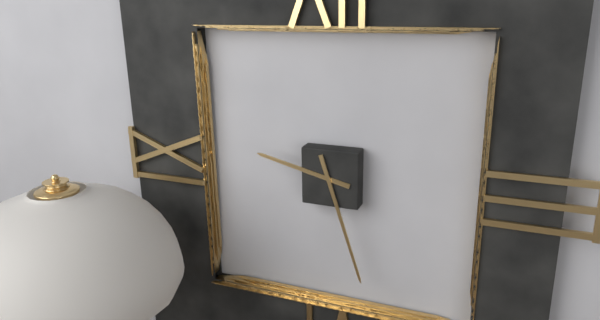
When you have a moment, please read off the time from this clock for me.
9:27
